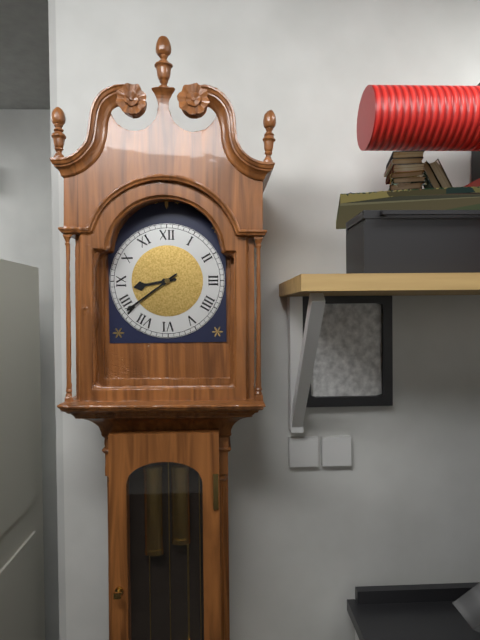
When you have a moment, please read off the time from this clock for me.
8:39
